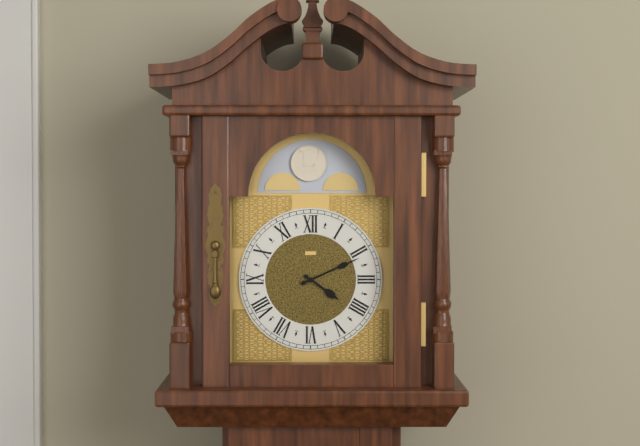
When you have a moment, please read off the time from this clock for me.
4:11
